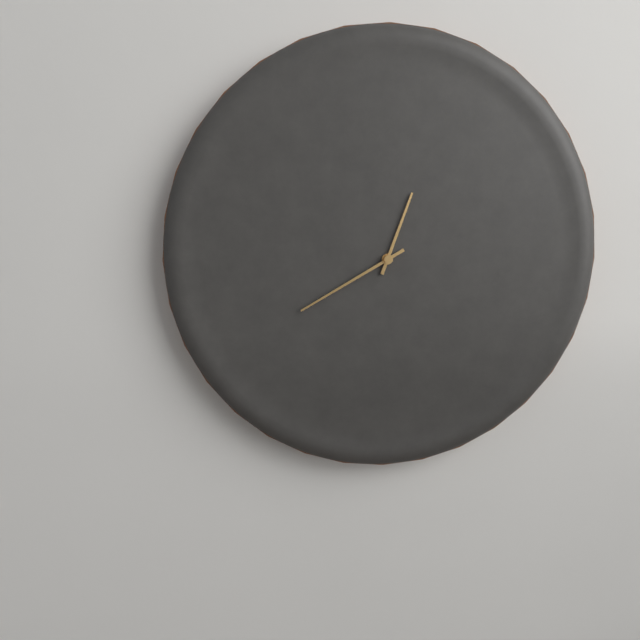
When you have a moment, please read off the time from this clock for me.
12:40
